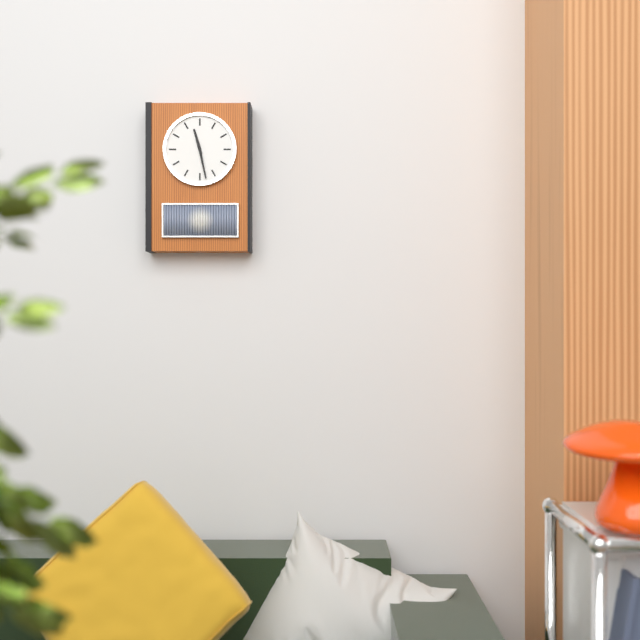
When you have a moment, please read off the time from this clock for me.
11:28
